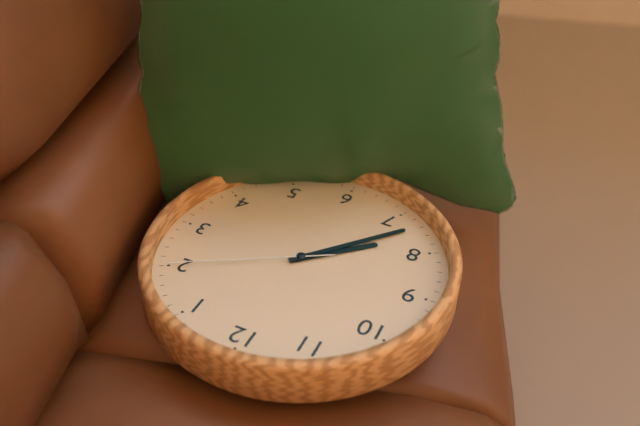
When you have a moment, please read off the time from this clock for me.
7:37:10
